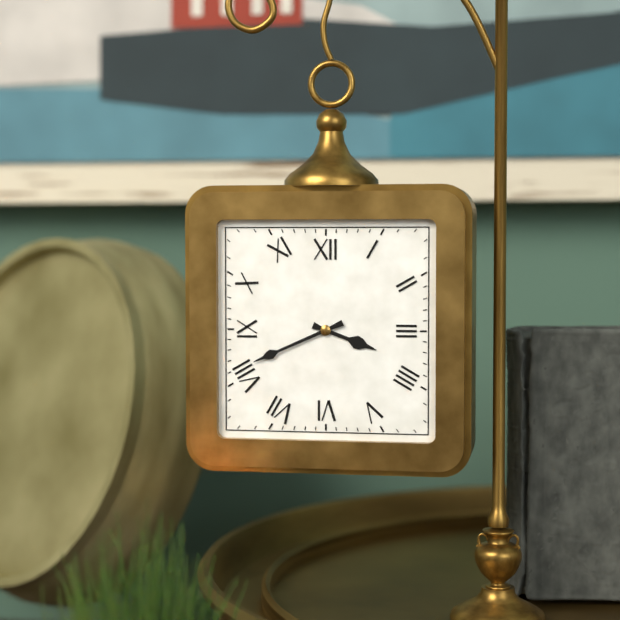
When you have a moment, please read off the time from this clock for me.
3:41
